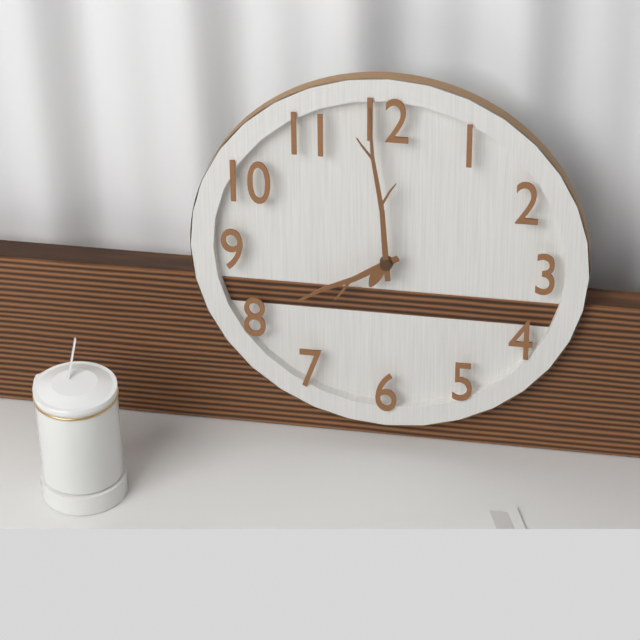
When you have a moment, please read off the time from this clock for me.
7:59
